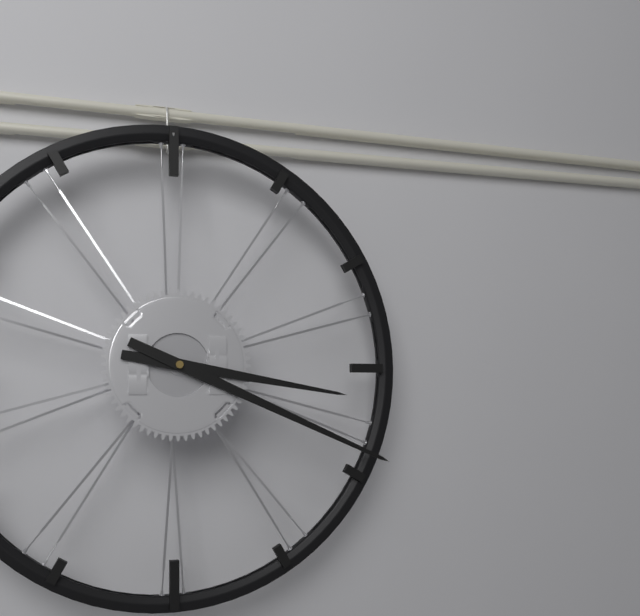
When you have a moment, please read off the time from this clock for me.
3:19
